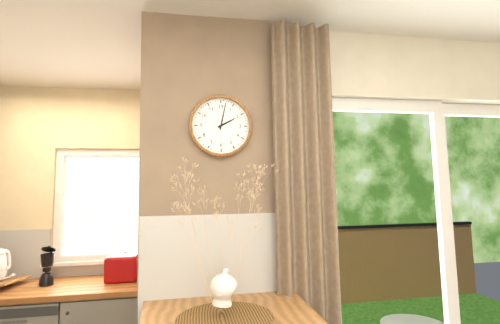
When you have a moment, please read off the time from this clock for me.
2:02
